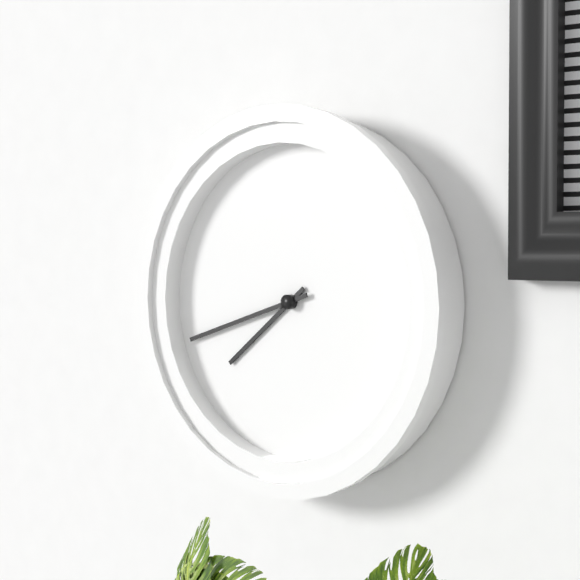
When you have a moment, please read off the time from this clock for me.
7:42
